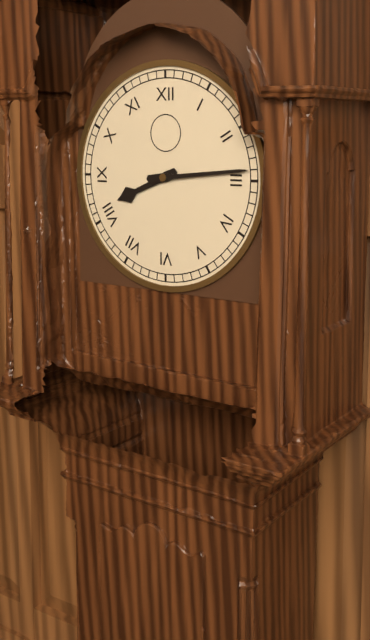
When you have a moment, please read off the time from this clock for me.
8:14
